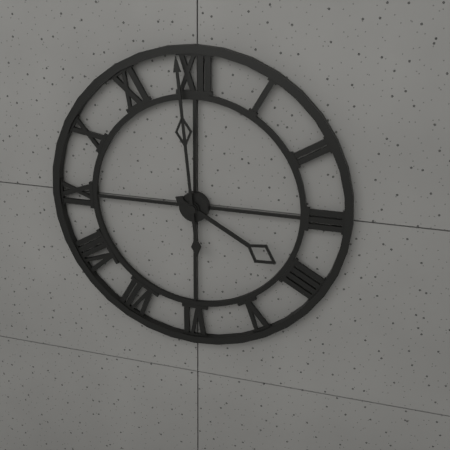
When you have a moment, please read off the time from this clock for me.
3:59
